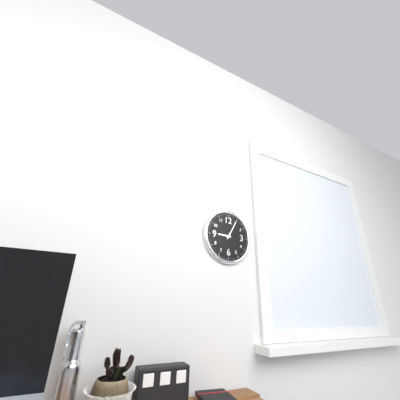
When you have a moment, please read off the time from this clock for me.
9:05
